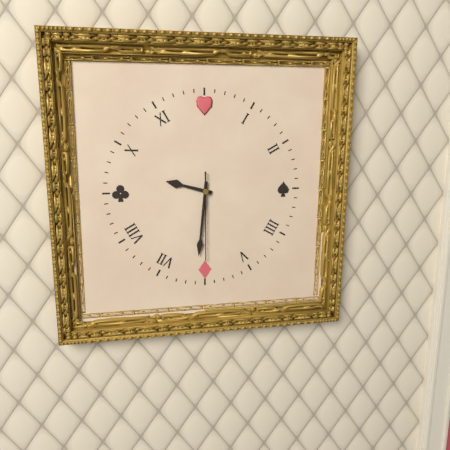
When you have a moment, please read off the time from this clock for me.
9:31:30
